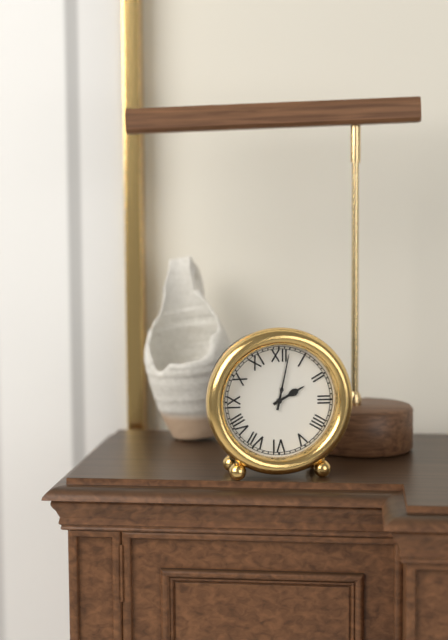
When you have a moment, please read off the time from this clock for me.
2:02
